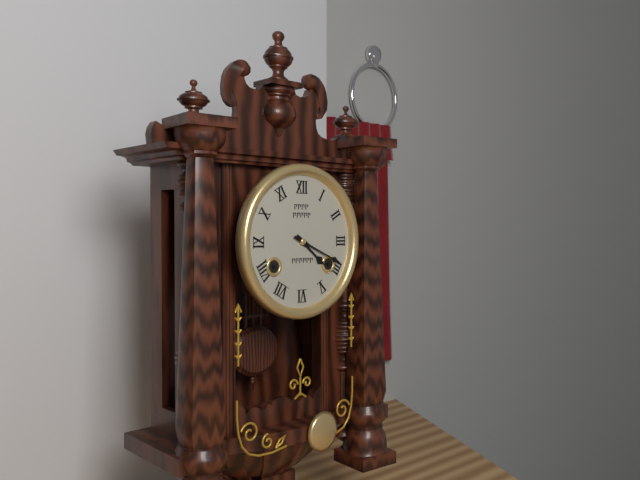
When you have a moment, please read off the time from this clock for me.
4:19
